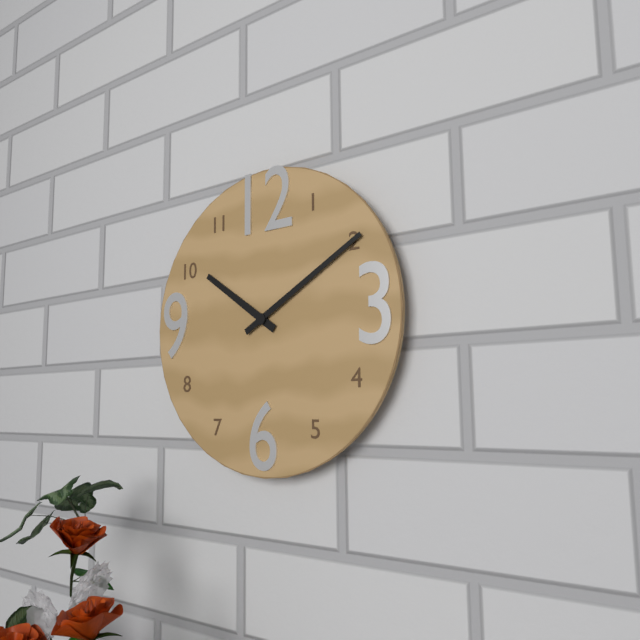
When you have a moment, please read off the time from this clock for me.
10:10
